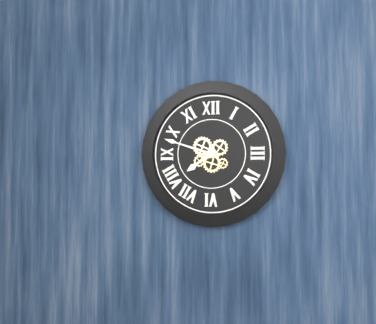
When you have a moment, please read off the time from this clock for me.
7:48
